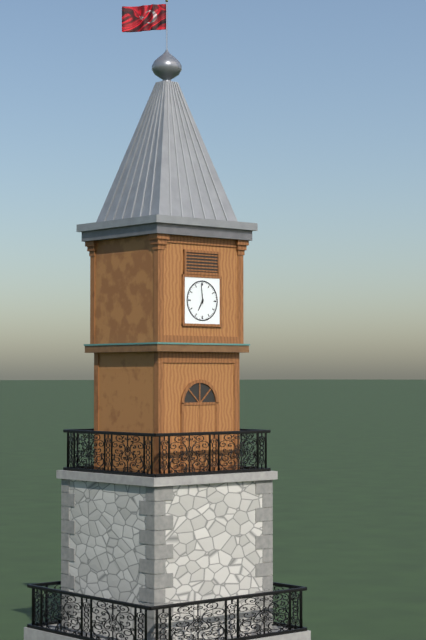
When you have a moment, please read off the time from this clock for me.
6:59
